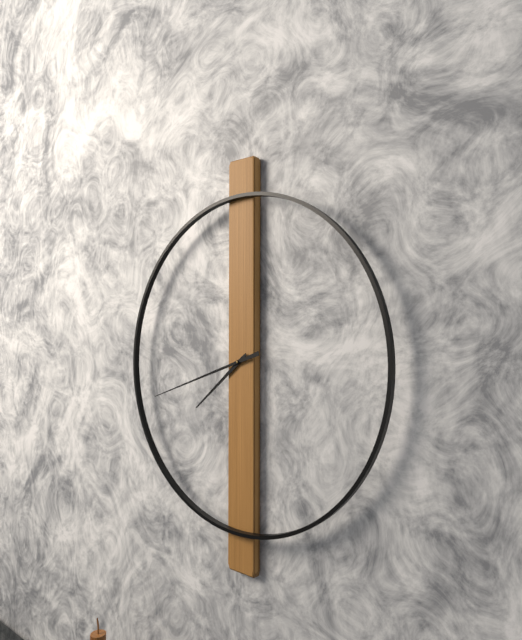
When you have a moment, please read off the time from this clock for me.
7:42
